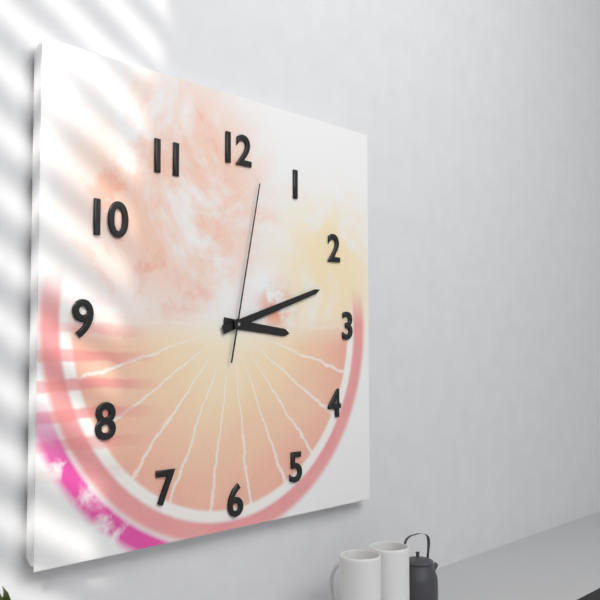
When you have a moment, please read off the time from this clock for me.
3:12:02
